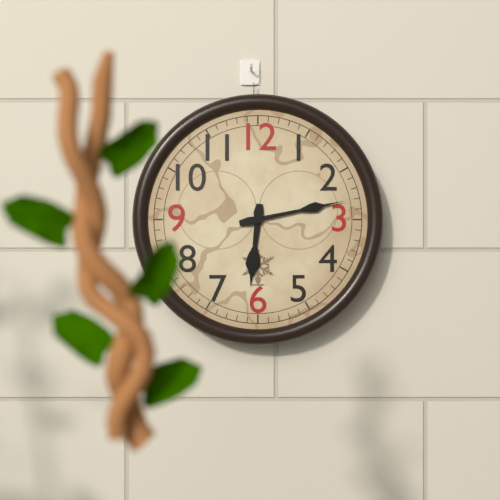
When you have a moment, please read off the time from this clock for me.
6:13
